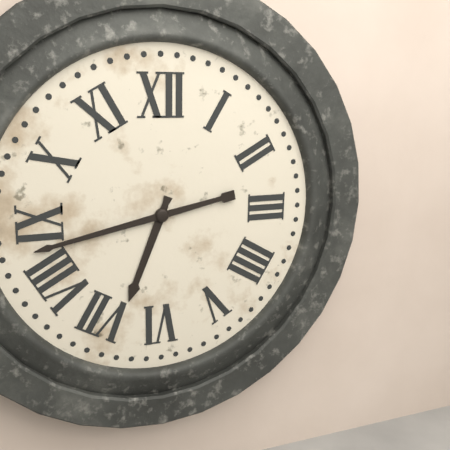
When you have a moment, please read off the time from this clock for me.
6:43
